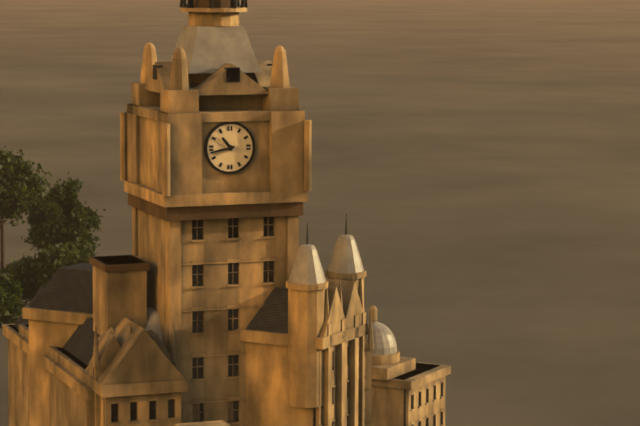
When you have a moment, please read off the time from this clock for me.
10:43
